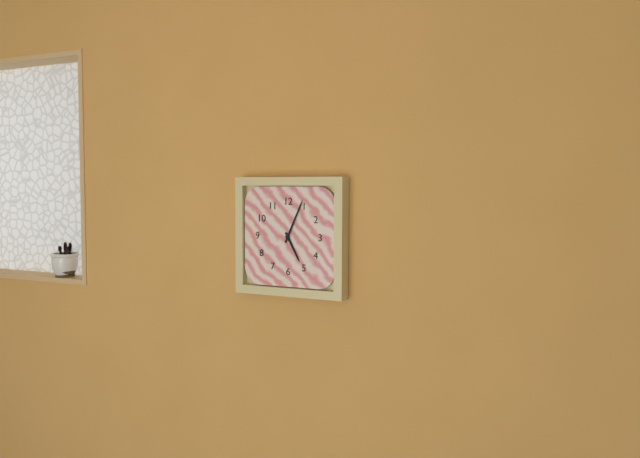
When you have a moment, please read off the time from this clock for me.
5:04
